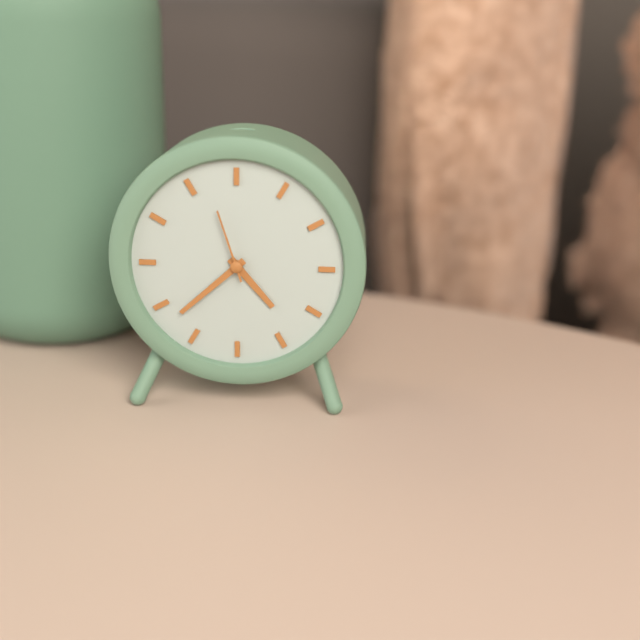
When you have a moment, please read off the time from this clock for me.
4:38:57
